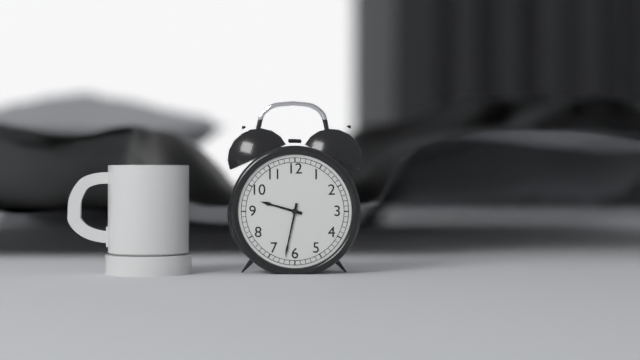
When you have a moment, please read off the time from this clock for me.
9:32
